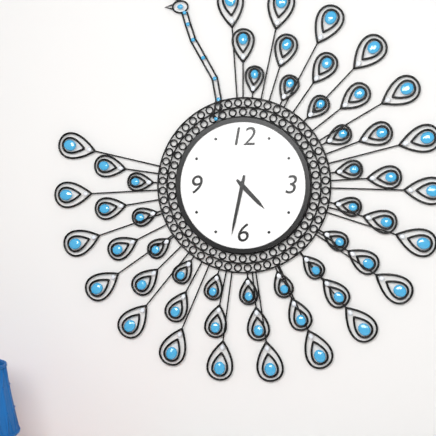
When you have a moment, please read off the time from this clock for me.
4:32
